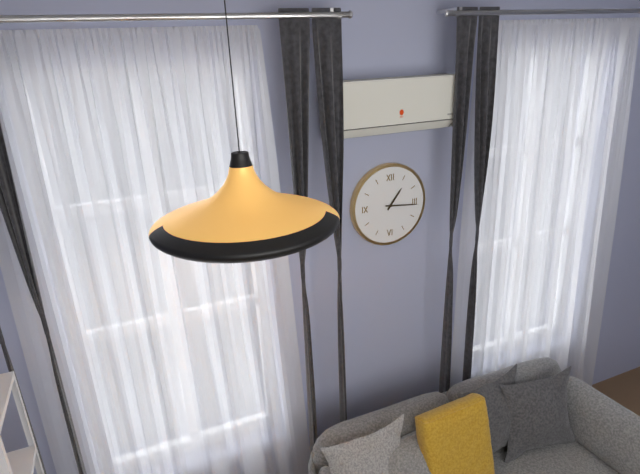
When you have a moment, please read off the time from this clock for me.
1:16
